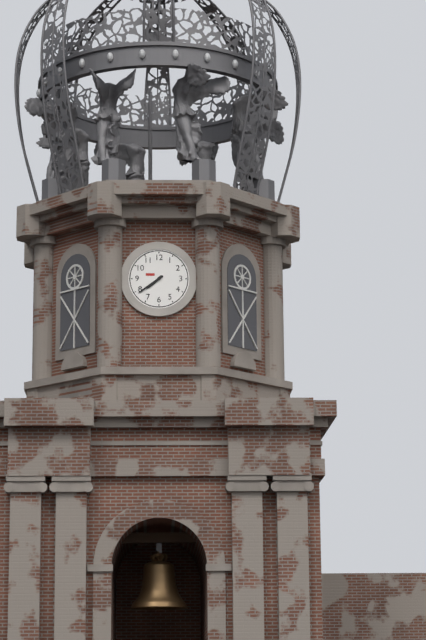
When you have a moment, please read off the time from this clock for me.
7:39
